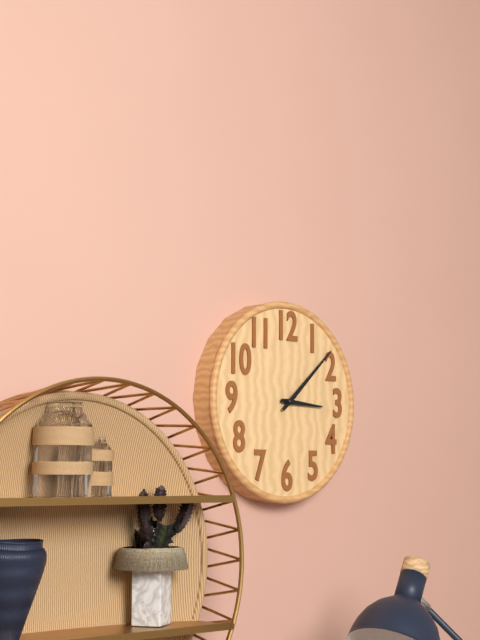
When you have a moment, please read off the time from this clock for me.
3:08
